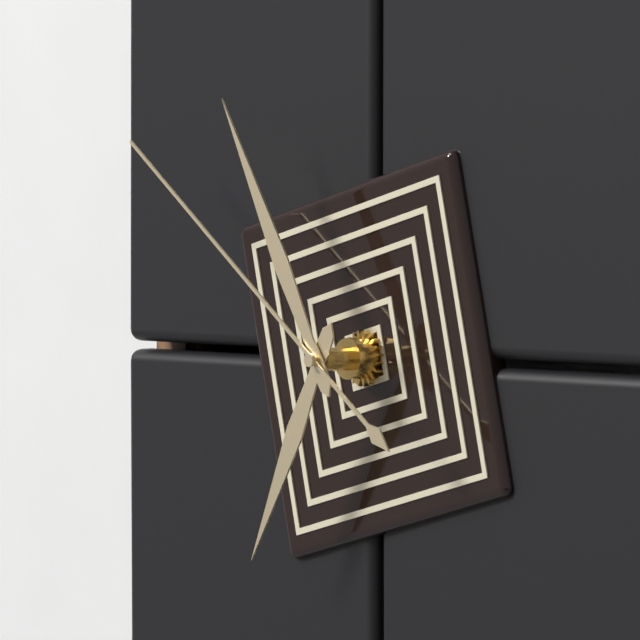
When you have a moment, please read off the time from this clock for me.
6:55:51
